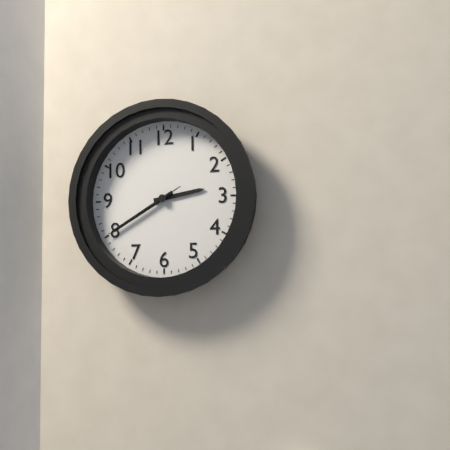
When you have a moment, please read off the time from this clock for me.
2:40:40
